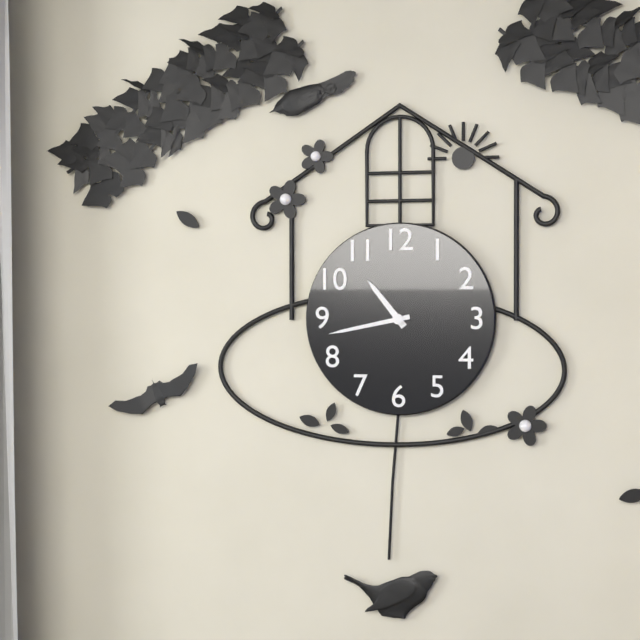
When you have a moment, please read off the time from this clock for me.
10:43
